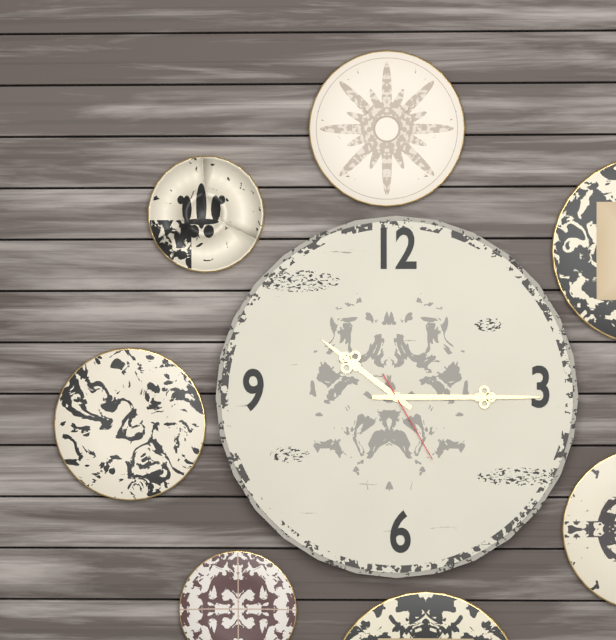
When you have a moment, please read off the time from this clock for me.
10:15:25
